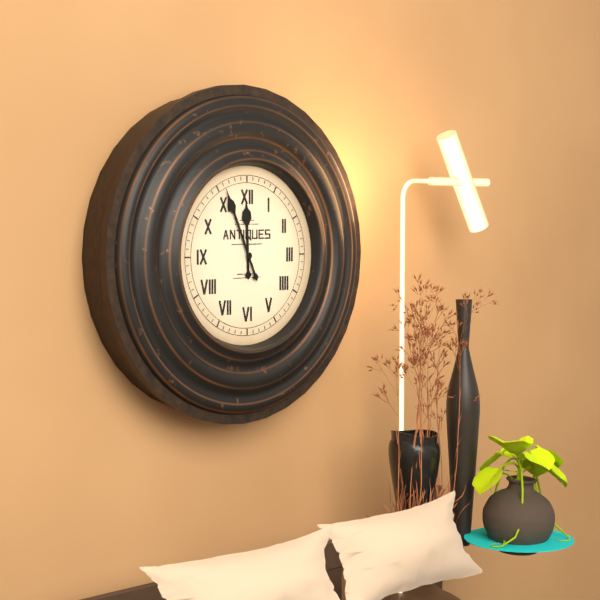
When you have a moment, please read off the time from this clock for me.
11:56
